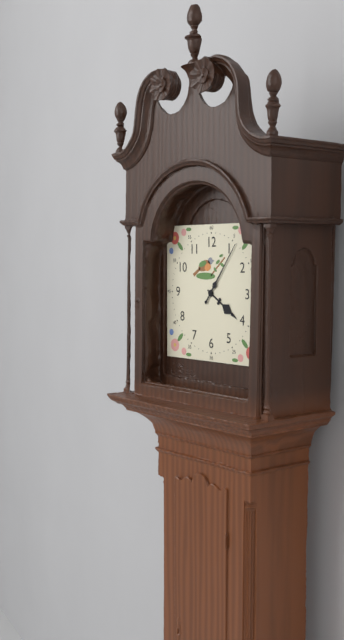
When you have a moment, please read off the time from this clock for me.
4:06
